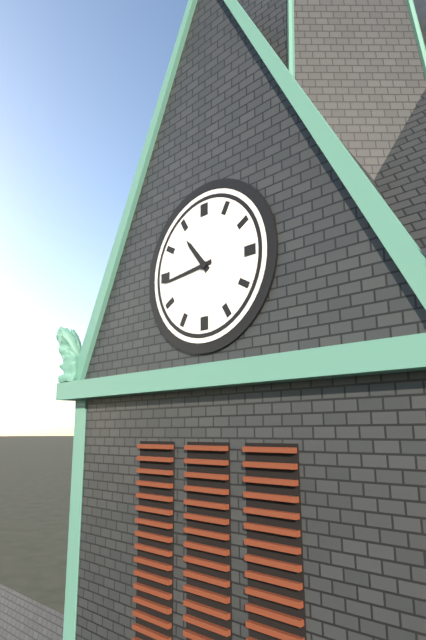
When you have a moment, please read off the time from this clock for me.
10:44
